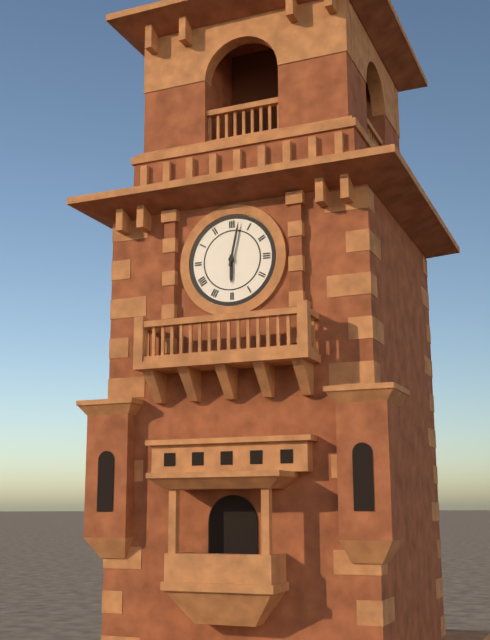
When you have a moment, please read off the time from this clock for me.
6:02
